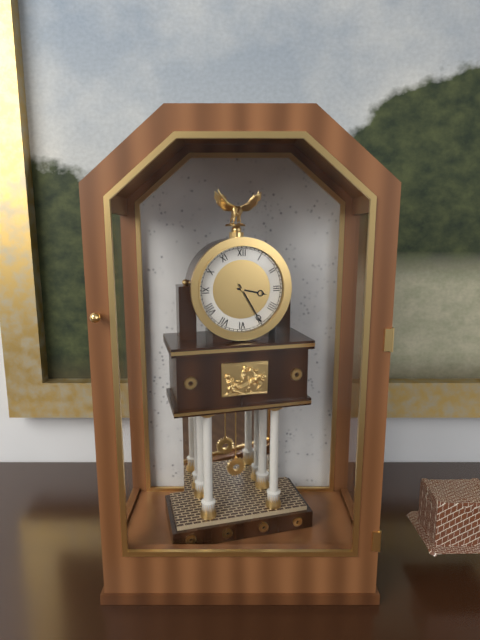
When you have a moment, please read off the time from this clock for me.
3:25
